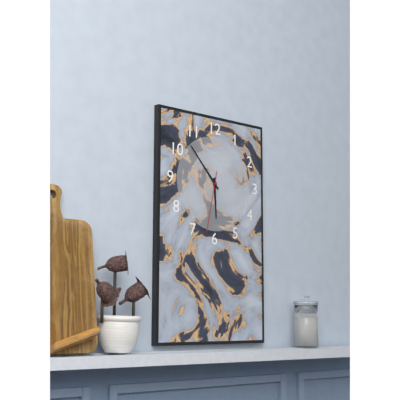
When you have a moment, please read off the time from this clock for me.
5:53:32
